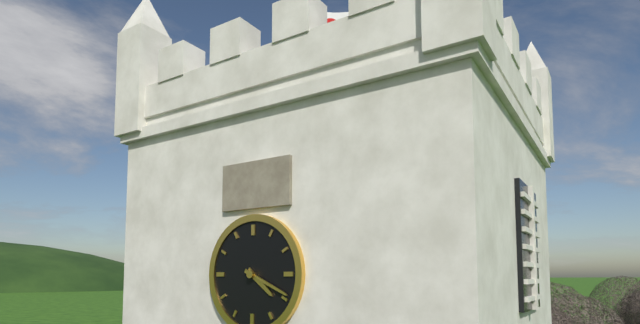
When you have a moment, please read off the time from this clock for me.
4:19
